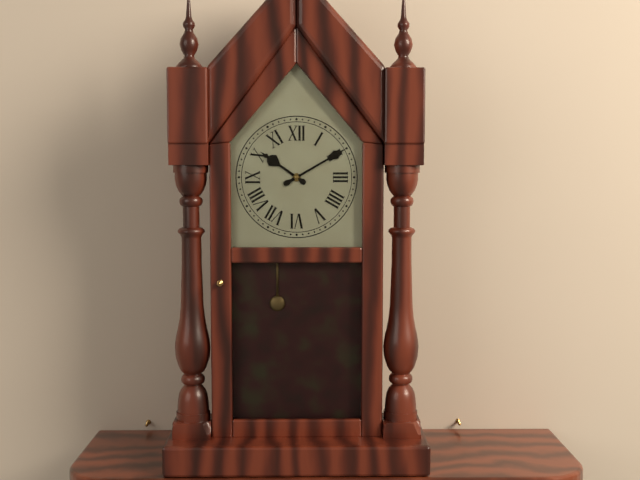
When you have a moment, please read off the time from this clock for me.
10:10
